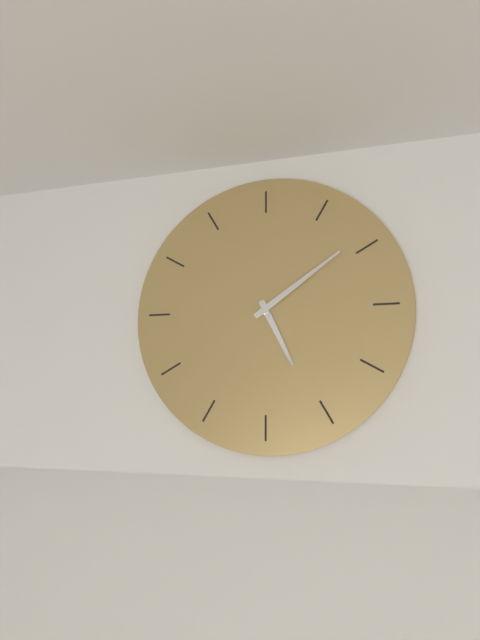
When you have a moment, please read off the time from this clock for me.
5:09
